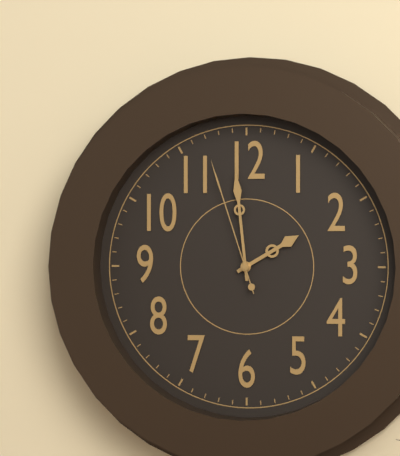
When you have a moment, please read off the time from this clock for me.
1:59:57
